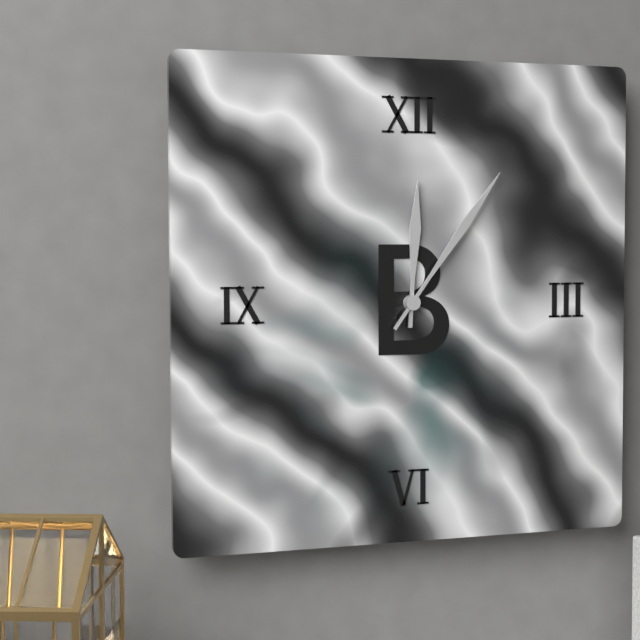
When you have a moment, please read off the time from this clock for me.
12:06
